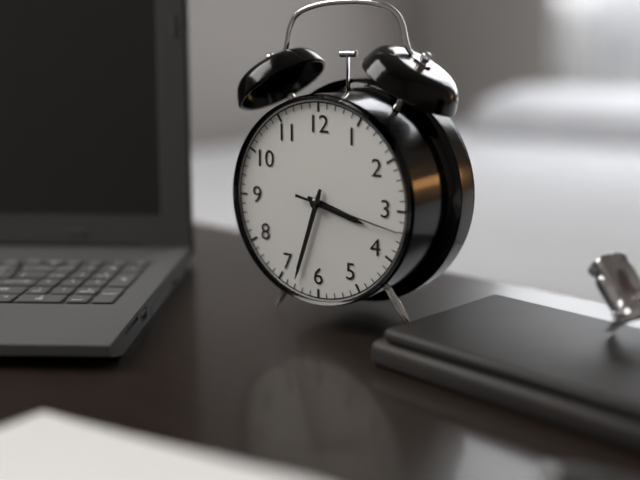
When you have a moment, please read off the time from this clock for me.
3:33:17
